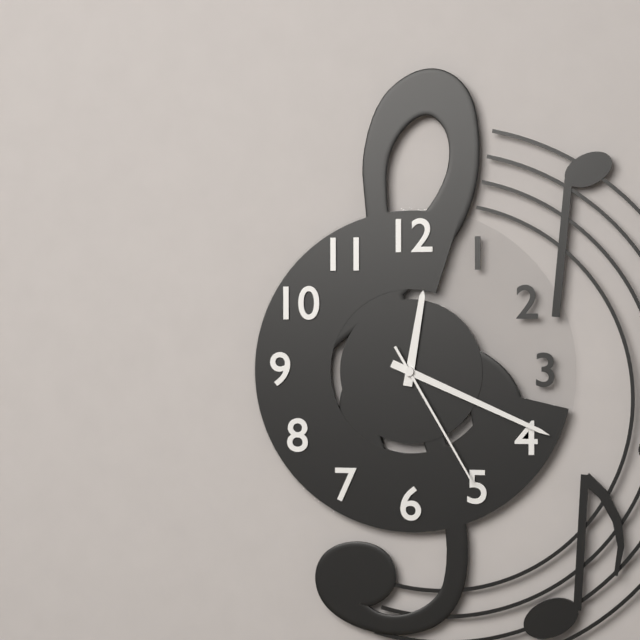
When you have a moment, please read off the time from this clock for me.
12:19:25
